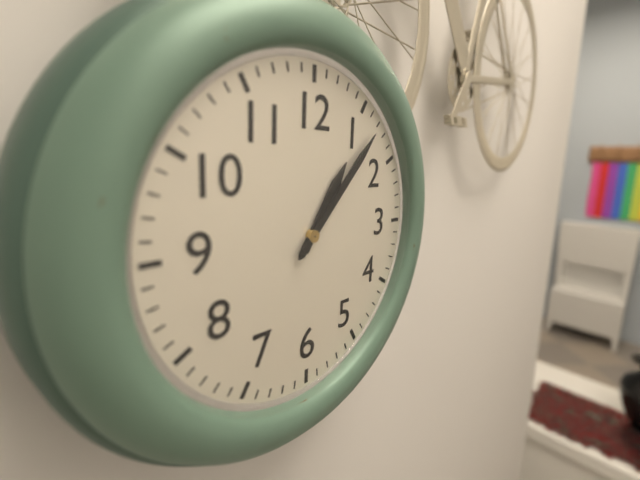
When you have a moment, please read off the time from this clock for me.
1:07
